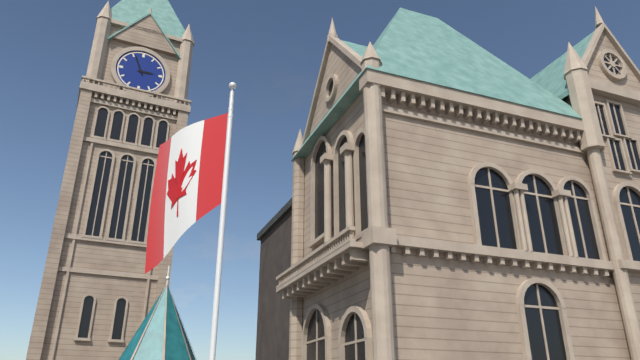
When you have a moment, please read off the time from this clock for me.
2:56
